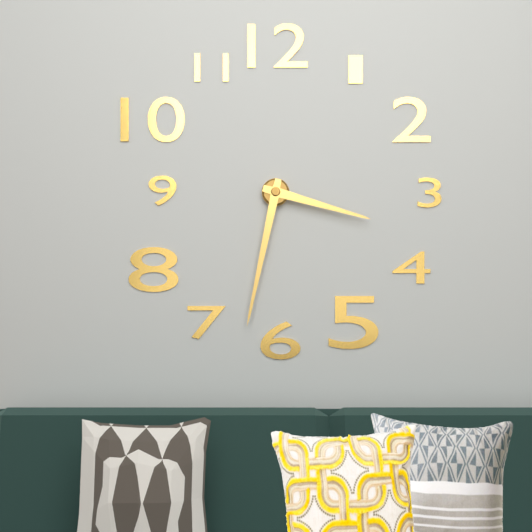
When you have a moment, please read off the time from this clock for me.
3:32
